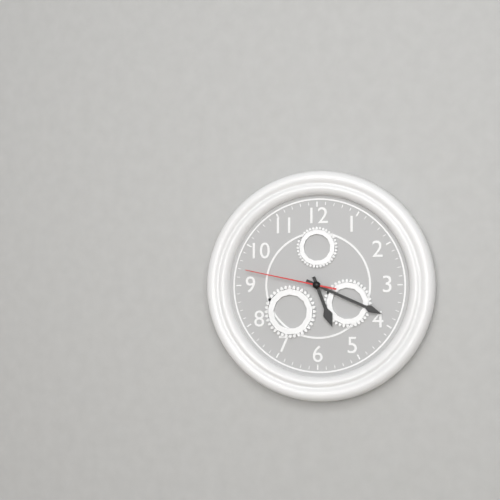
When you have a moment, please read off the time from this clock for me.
5:19:47
